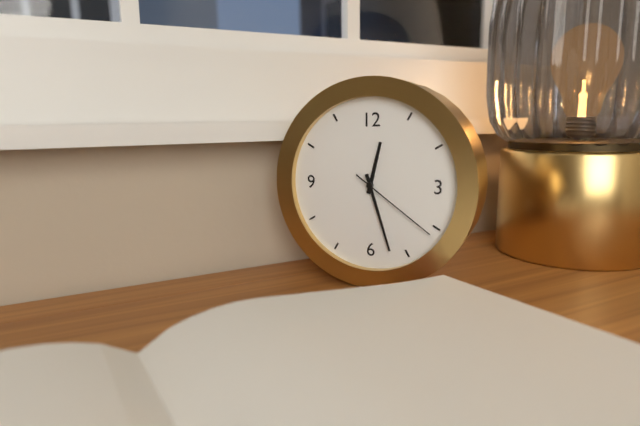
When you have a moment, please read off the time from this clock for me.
12:27:21
